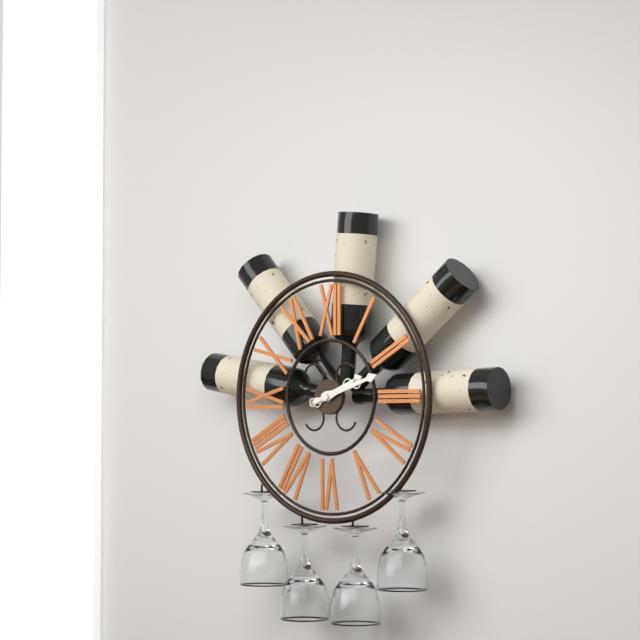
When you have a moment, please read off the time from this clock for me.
2:12
